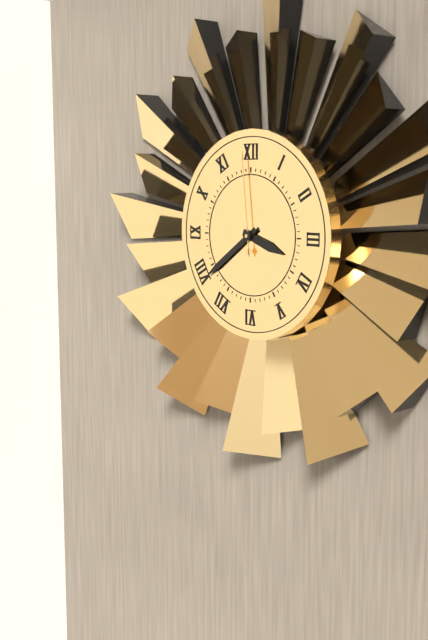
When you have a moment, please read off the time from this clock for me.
3:39:59
